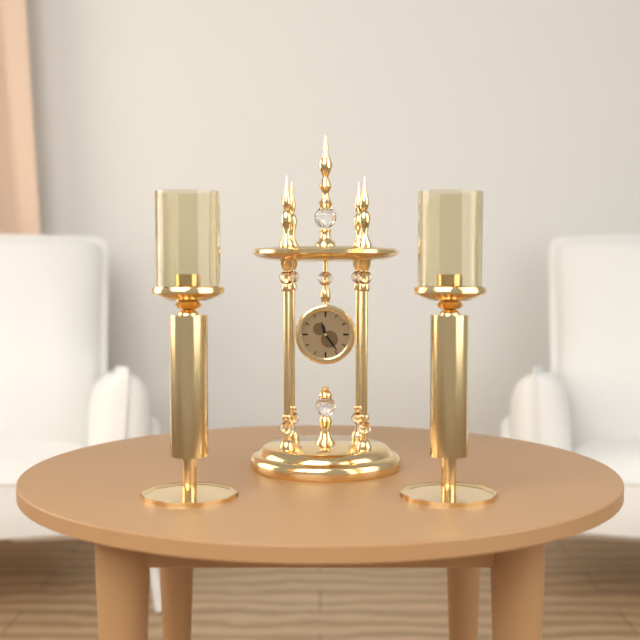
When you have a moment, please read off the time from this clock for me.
11:24
